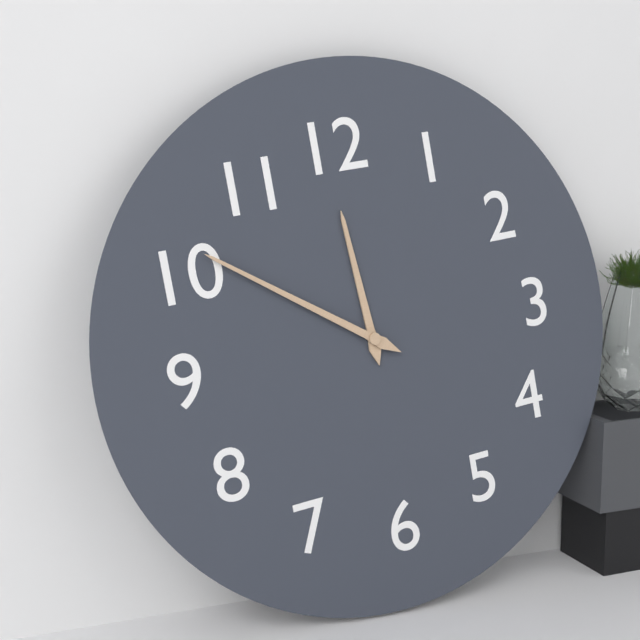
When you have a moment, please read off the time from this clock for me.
11:51
